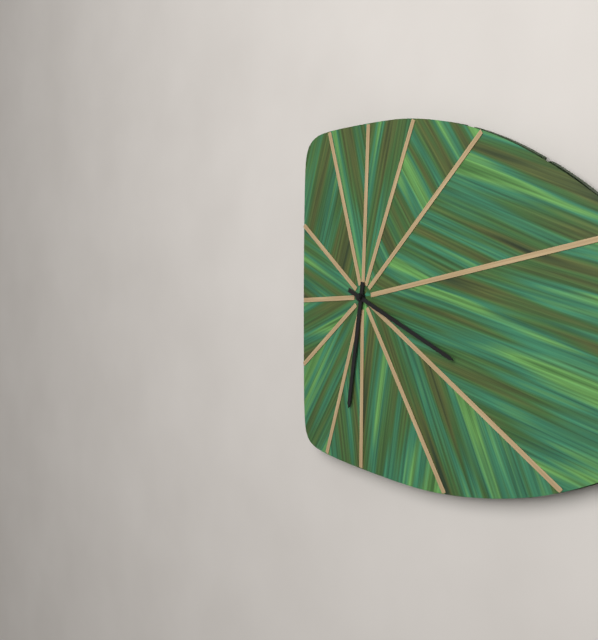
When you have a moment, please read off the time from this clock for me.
6:19
